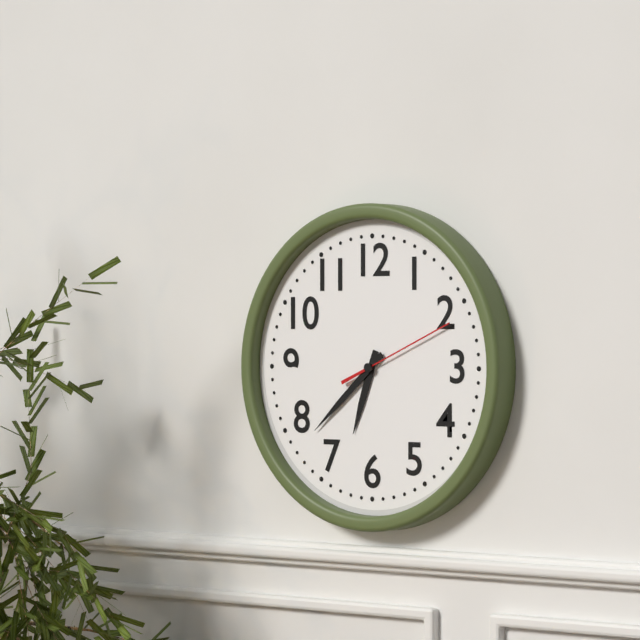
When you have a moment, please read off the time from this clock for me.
6:38:11
